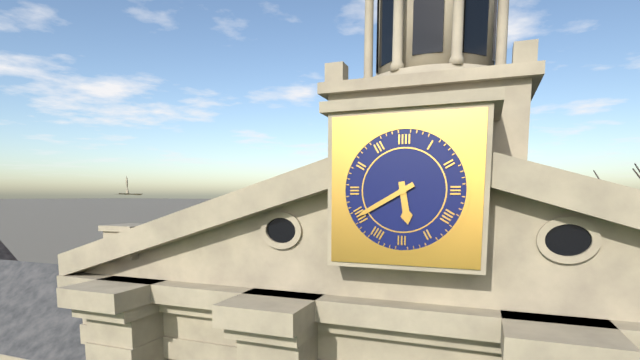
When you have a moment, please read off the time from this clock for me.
5:40
